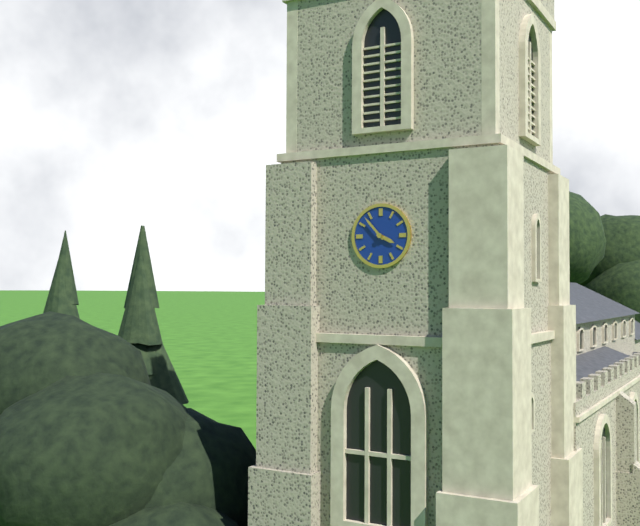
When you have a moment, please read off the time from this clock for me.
3:53
